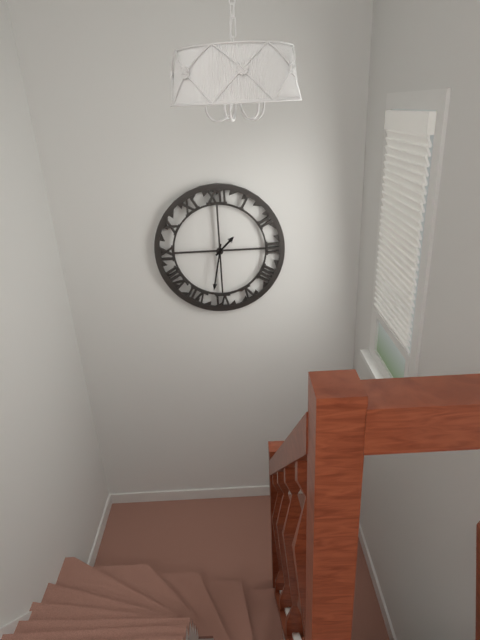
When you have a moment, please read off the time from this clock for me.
1:32
